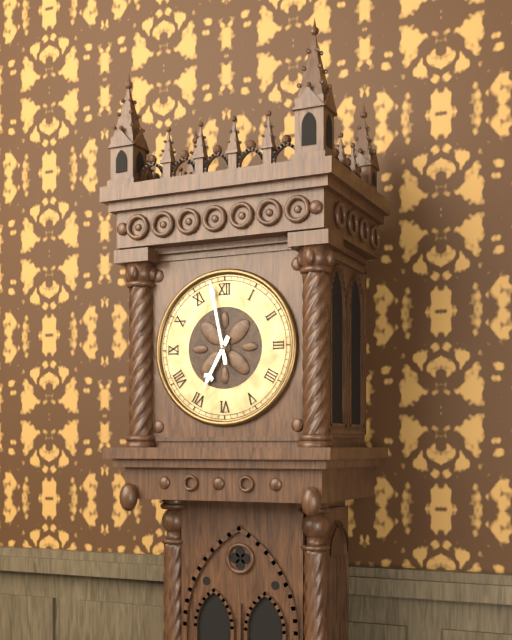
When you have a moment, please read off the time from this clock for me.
6:58
